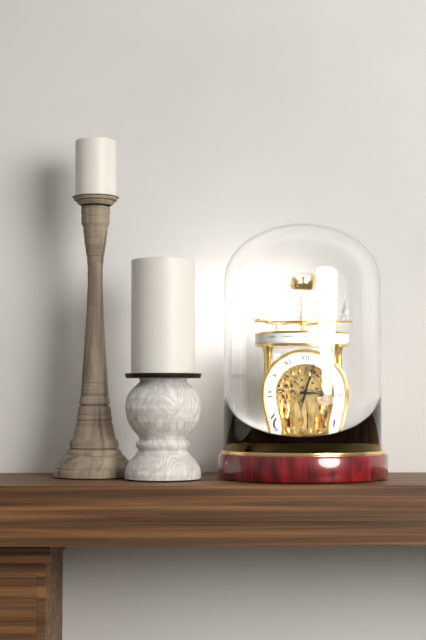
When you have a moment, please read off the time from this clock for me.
3:03
